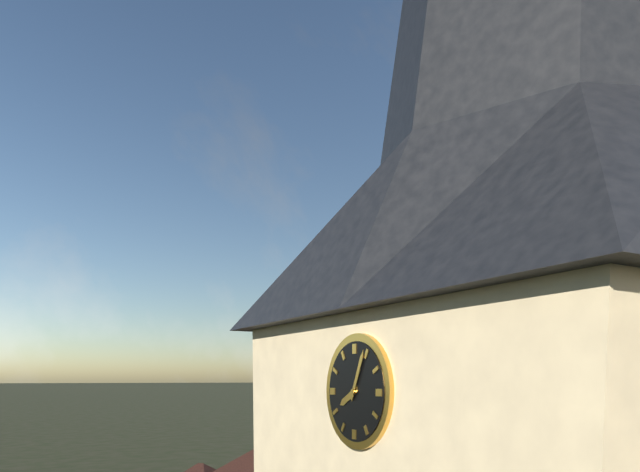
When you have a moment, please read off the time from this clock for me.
8:04
